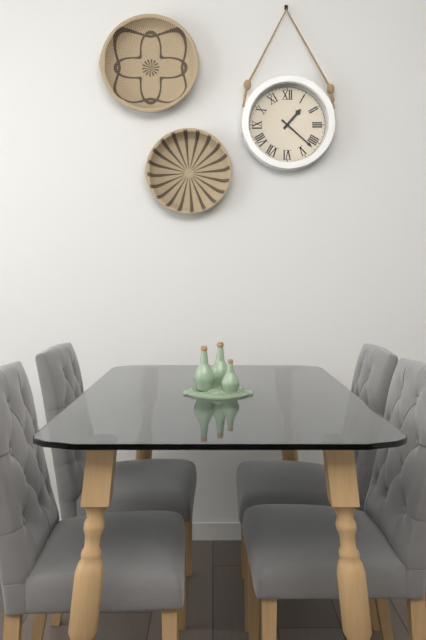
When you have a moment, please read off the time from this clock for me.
1:22
